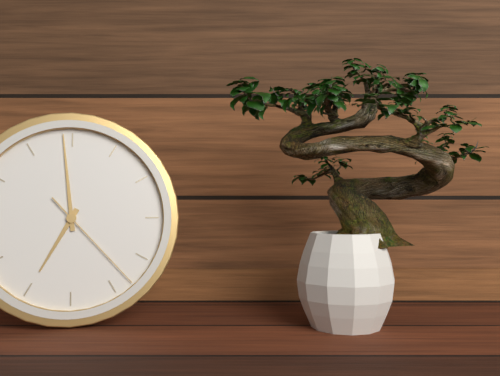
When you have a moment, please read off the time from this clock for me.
6:59:23
